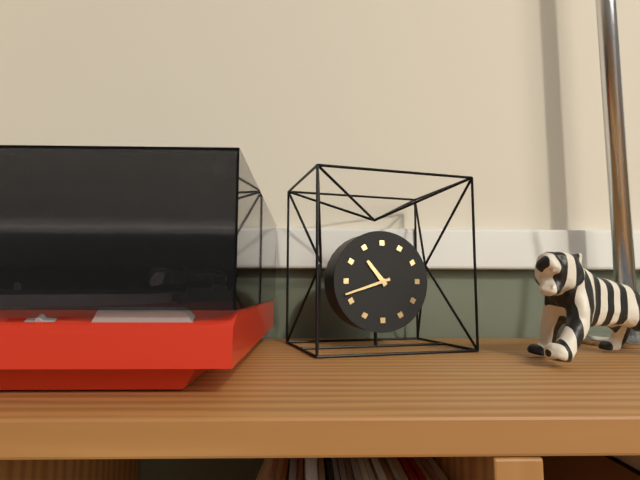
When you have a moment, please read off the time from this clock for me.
10:42
